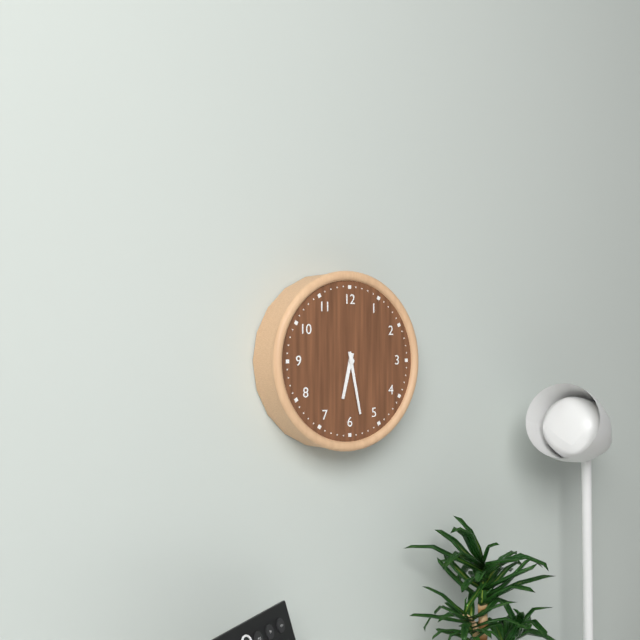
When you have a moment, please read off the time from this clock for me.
6:28
